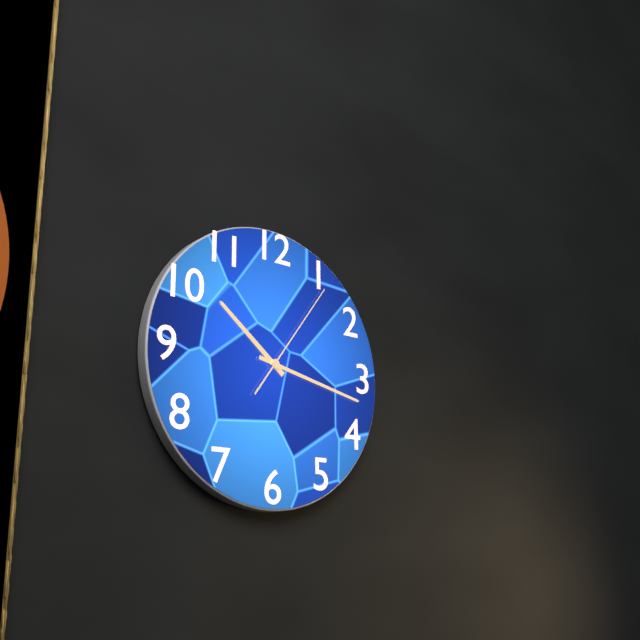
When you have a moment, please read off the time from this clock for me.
10:17:06
